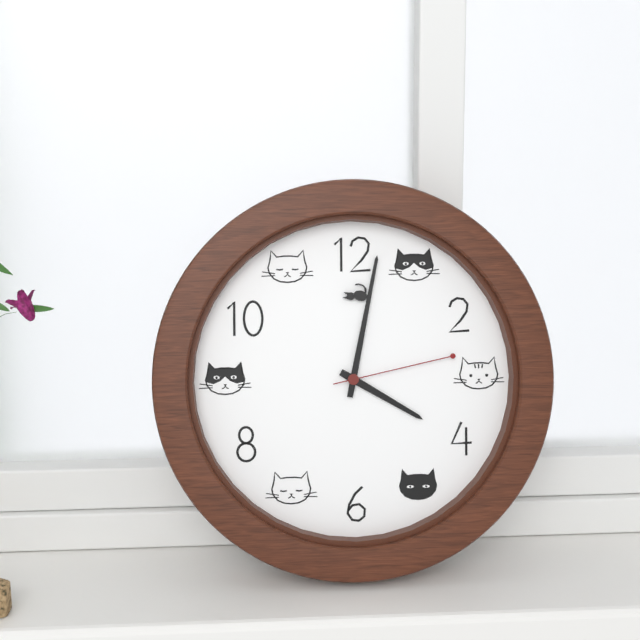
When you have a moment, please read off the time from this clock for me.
4:02:13
